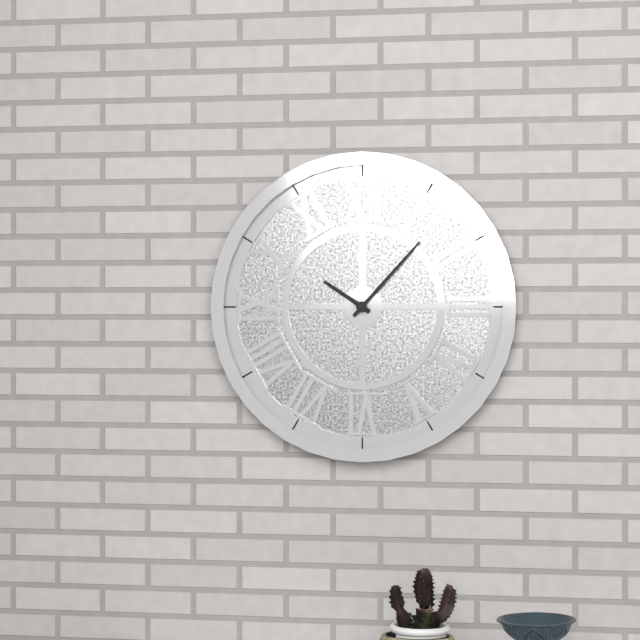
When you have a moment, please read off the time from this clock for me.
10:07
